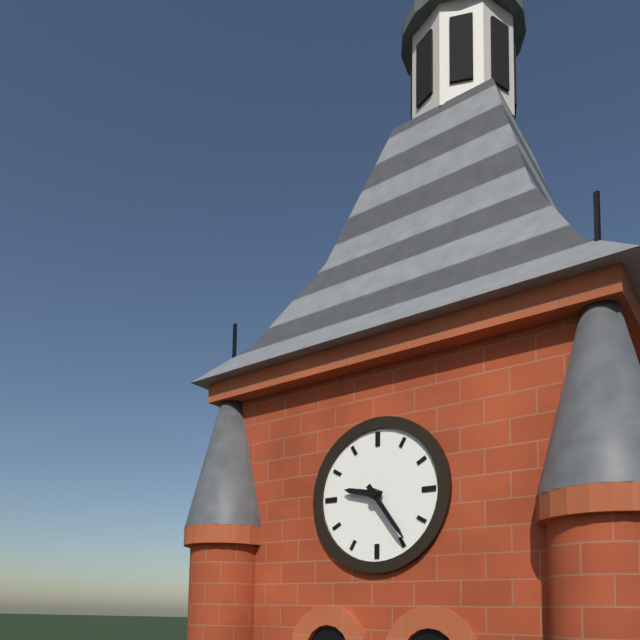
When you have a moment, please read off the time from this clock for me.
9:24
